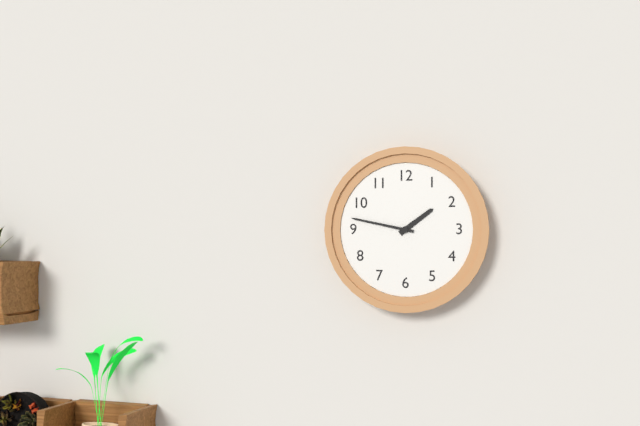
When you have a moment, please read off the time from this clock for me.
1:47
